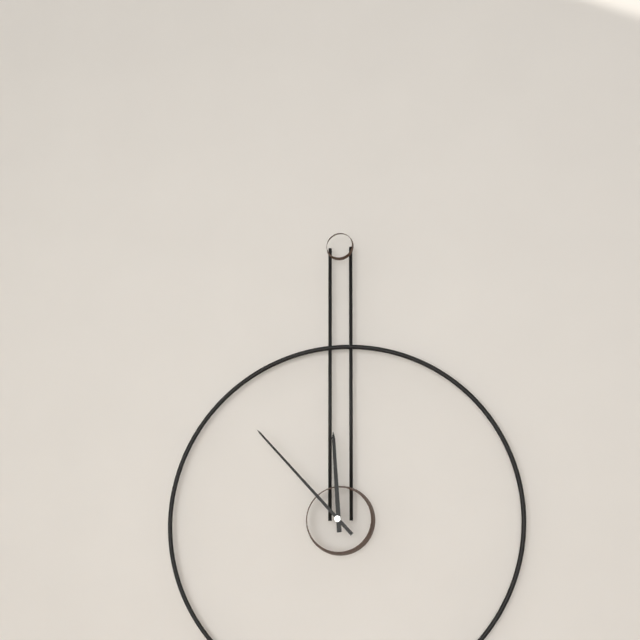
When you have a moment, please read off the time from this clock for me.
11:53
